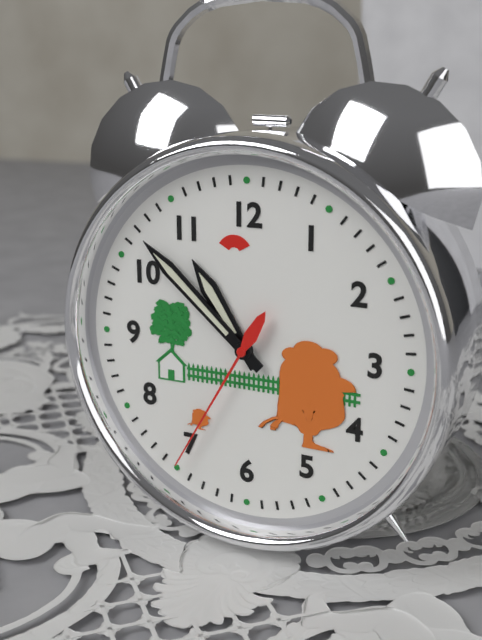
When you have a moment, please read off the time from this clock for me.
10:52:35
